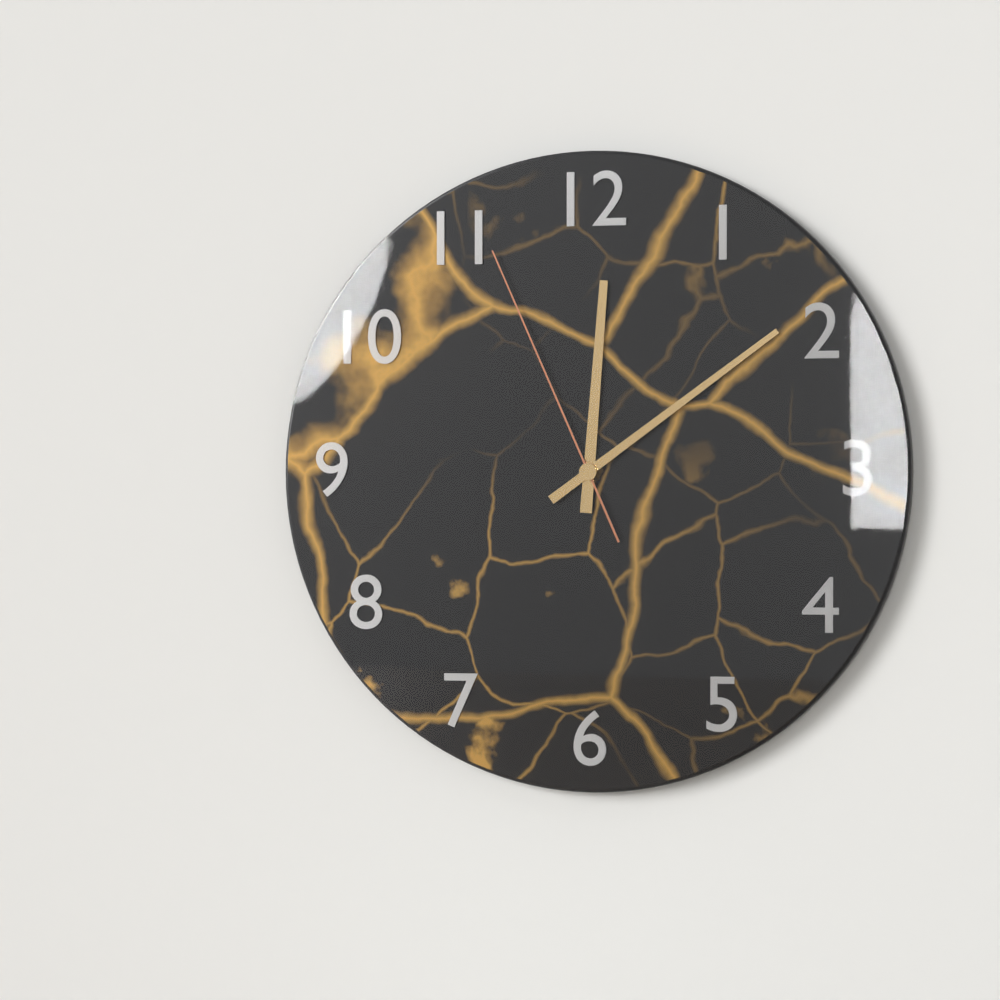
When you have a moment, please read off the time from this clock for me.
12:09:56
